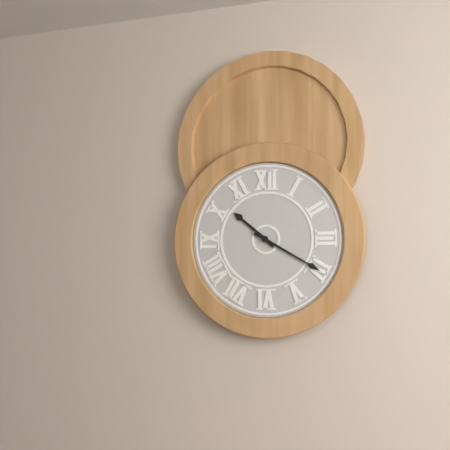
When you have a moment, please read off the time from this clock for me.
10:20
